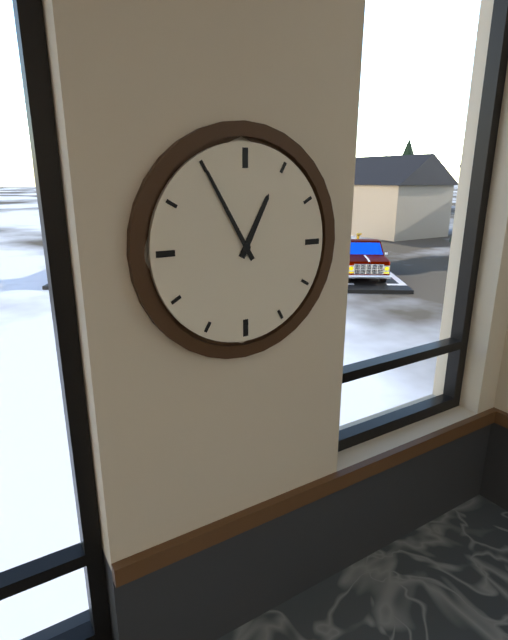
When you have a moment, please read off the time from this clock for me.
12:55
